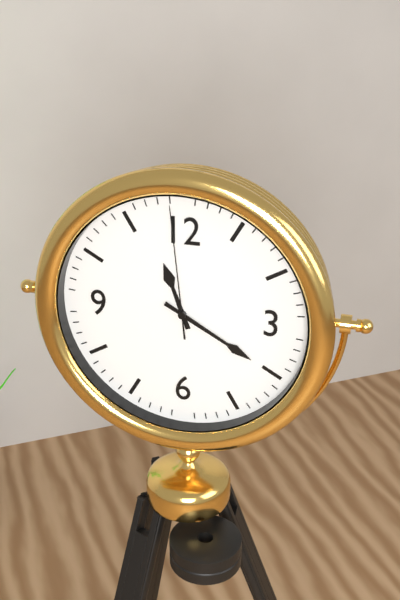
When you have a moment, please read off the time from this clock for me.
11:20:59
